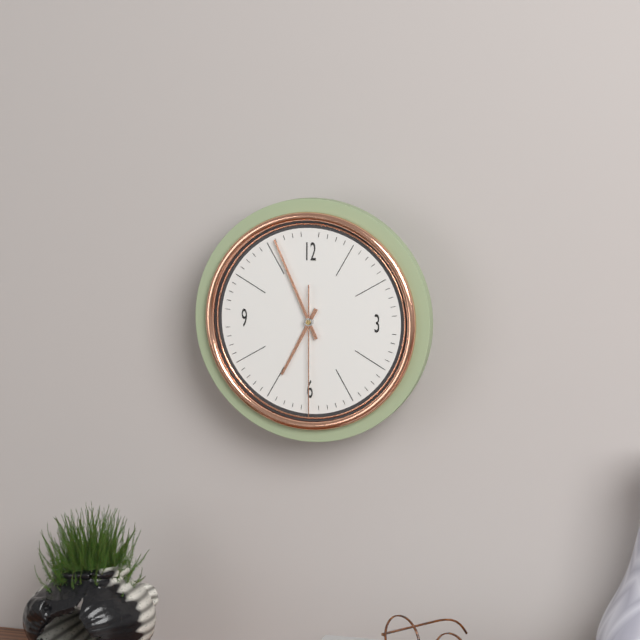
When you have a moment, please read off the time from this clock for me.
6:56:30
